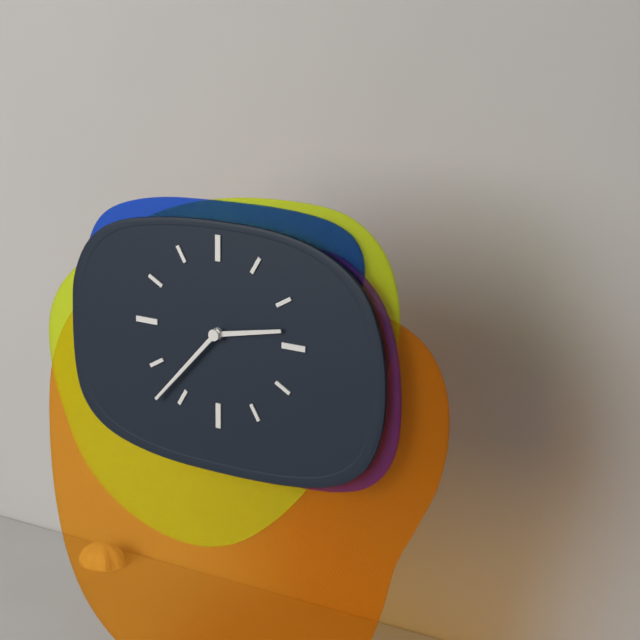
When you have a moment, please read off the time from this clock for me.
2:37
